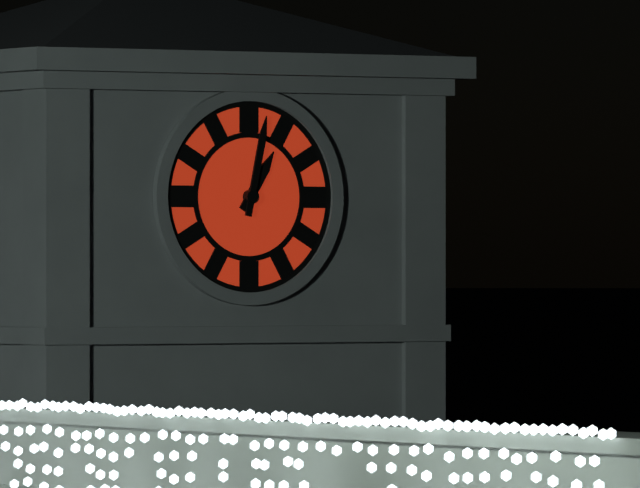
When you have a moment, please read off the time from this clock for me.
1:02
